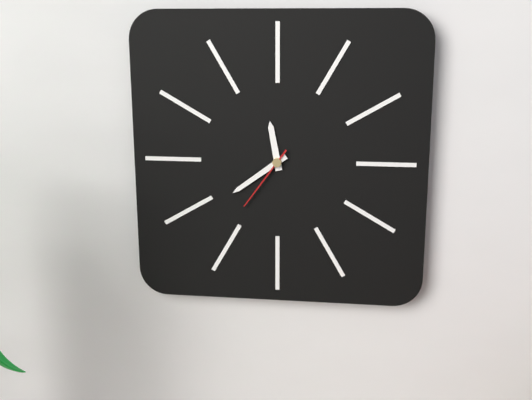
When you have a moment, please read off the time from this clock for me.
11:39:36
